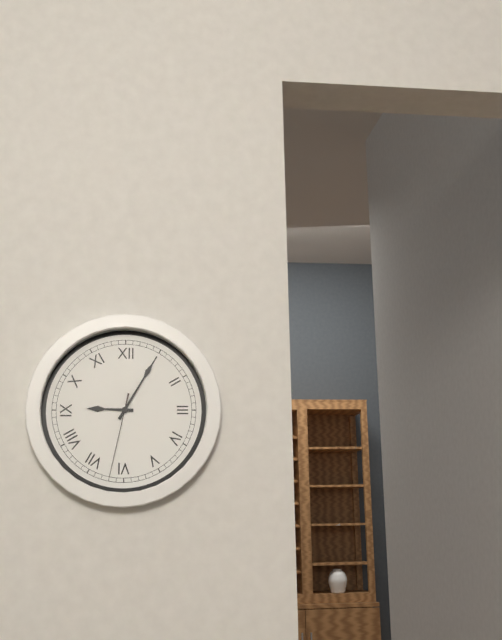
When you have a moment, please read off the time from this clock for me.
9:05:32
